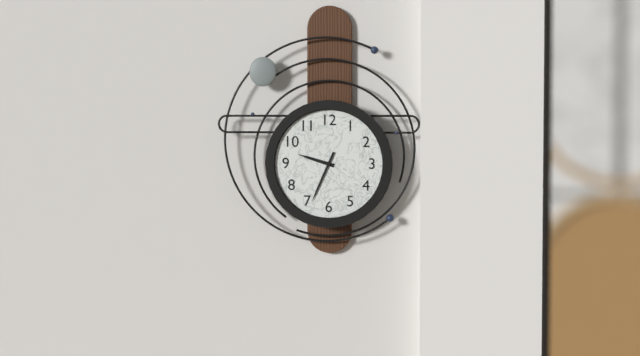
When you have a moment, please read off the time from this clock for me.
9:34
